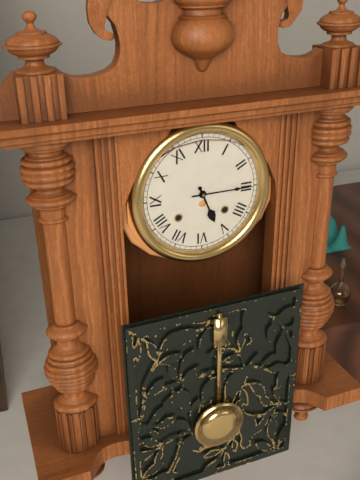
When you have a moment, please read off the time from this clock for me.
5:15
